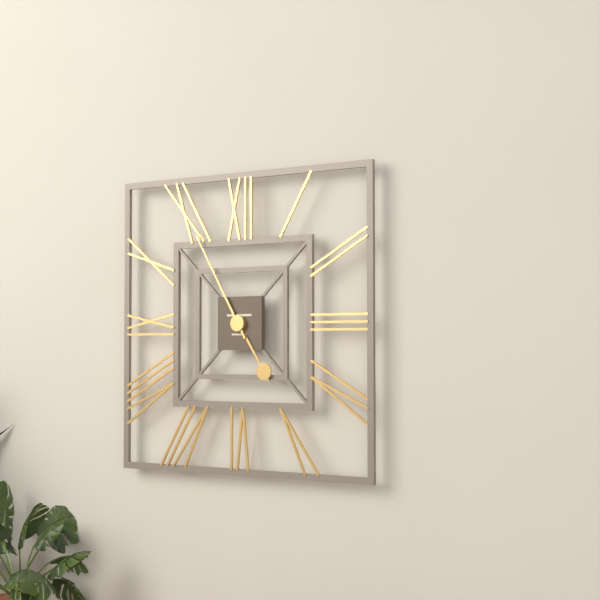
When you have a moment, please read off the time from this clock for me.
4:55
